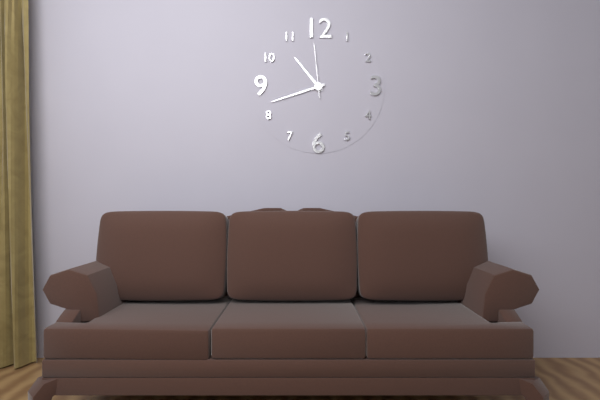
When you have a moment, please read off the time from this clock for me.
10:42:59
